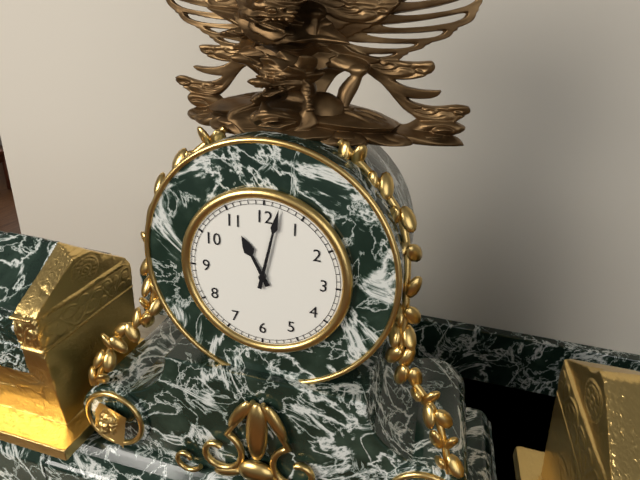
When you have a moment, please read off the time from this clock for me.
11:02
